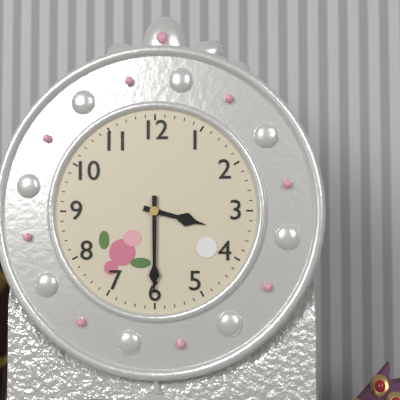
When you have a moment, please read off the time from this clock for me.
3:30
